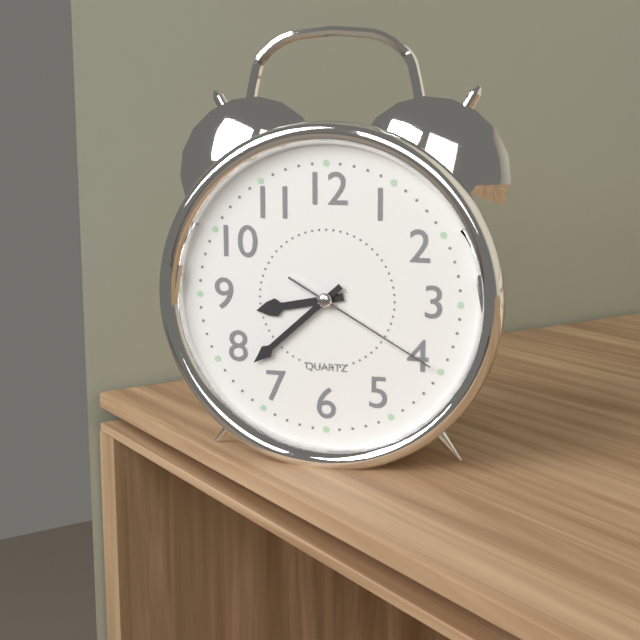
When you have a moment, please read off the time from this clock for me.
8:38:20
